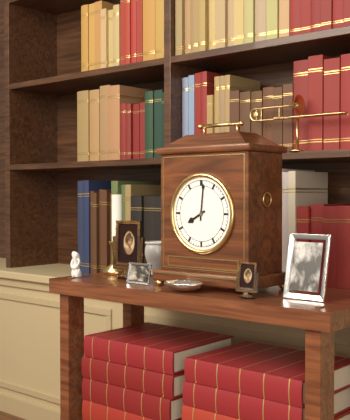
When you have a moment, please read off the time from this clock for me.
8:01
